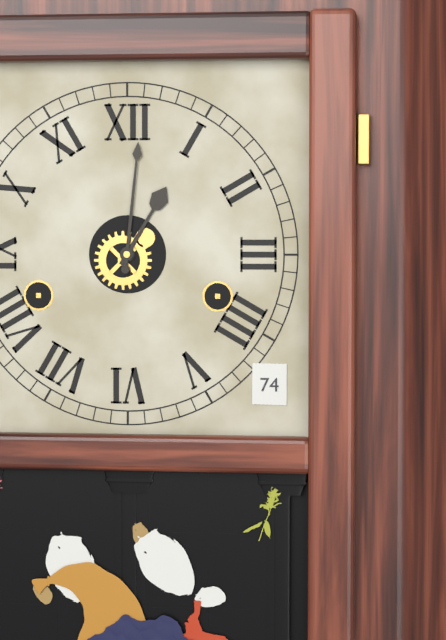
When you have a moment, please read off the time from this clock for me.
1:01
